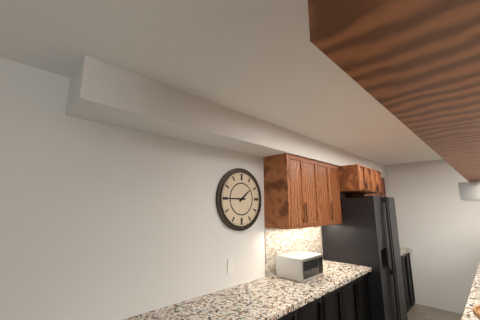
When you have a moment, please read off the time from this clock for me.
1:45
